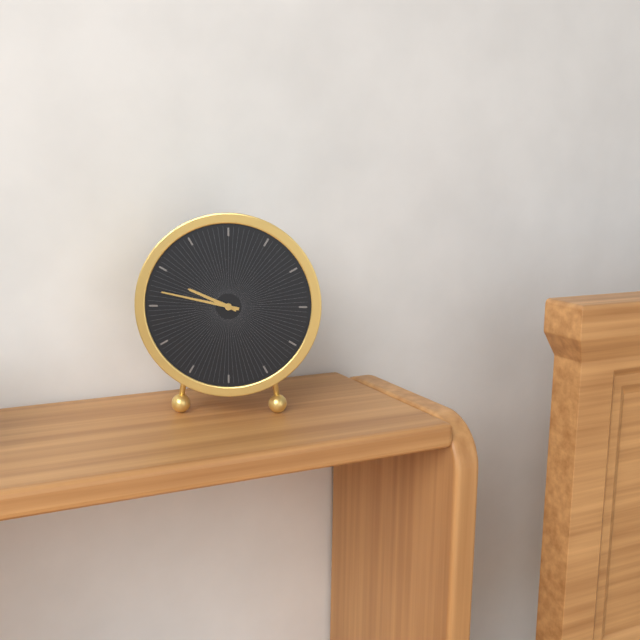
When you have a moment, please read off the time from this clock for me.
9:47
